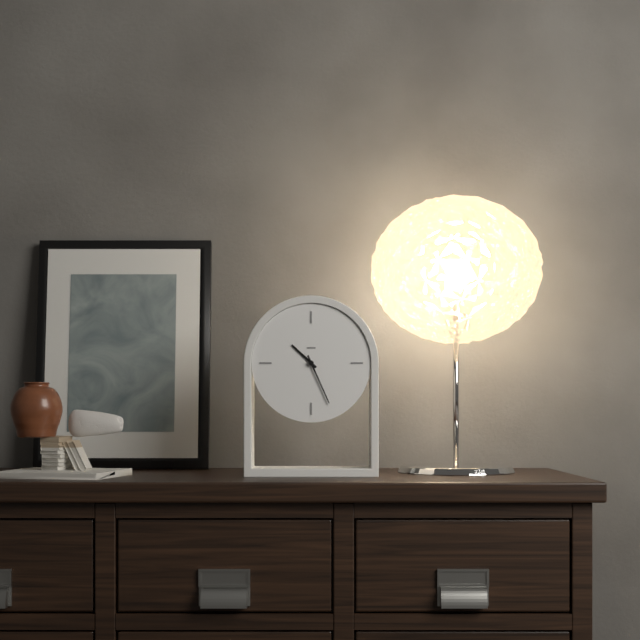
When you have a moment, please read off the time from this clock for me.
10:26
